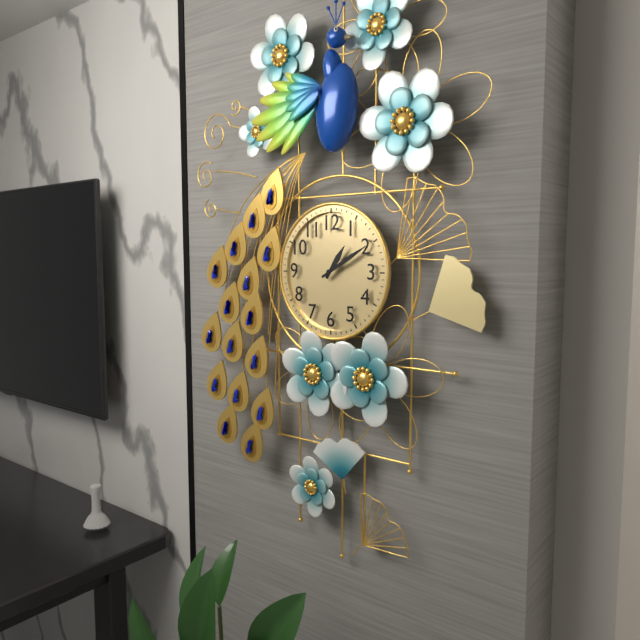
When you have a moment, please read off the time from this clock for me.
1:10
